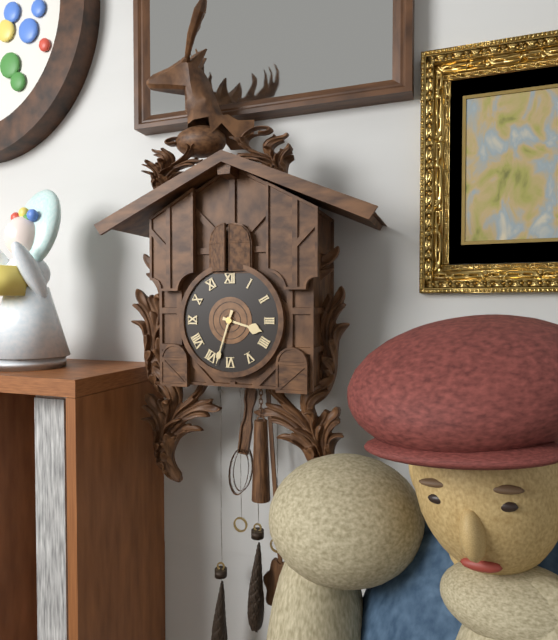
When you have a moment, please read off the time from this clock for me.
3:33
